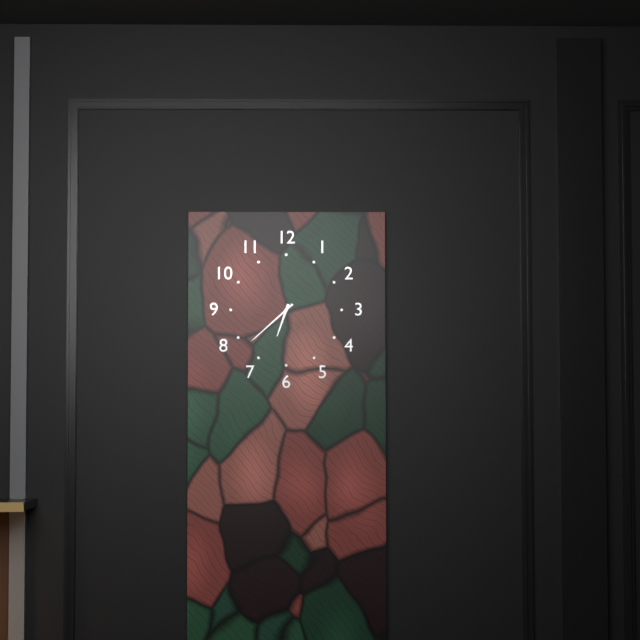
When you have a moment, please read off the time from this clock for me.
6:38
